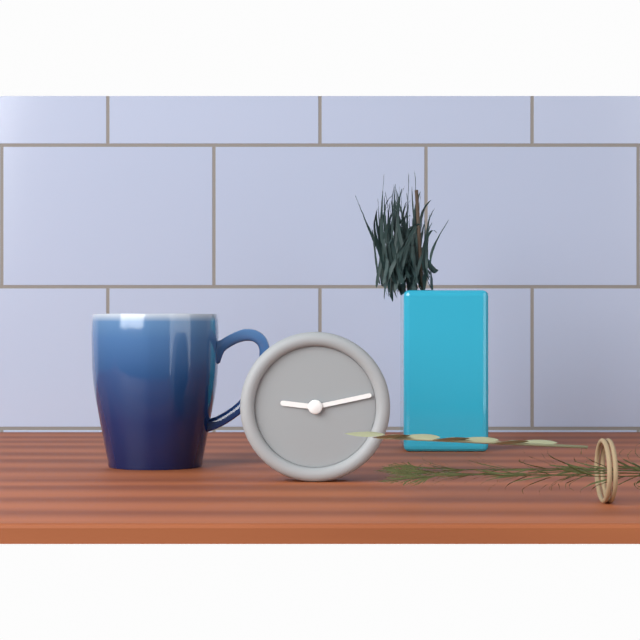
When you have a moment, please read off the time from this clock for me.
9:13
